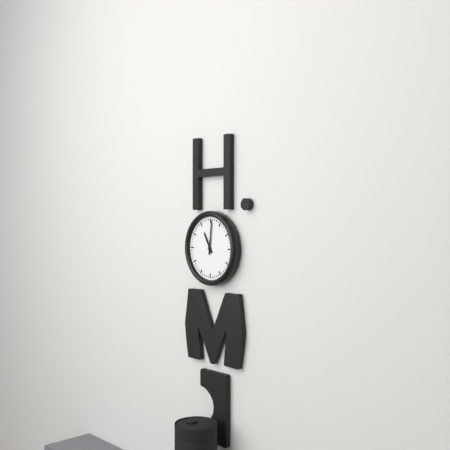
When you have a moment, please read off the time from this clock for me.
11:01
